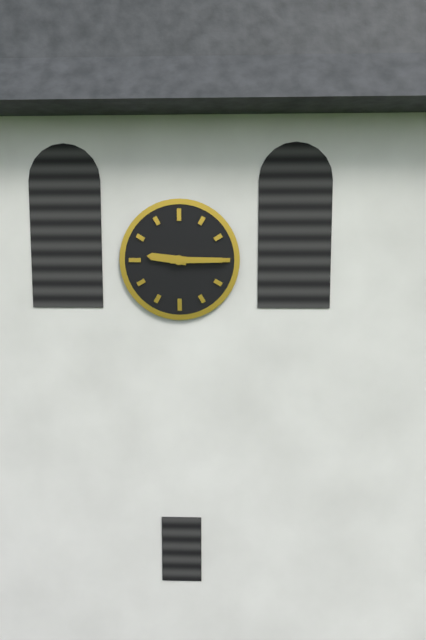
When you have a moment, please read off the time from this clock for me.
9:15
